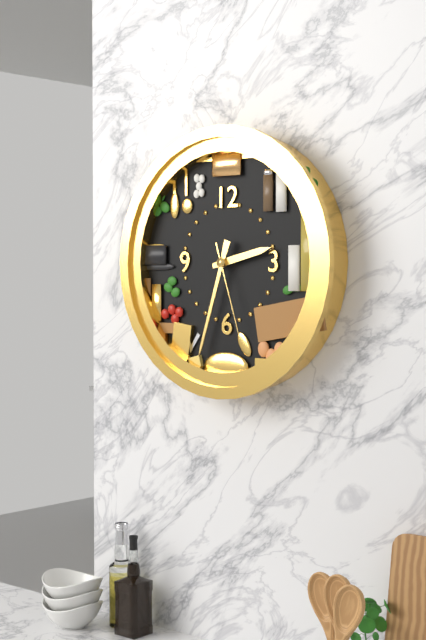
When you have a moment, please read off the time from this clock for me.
2:33:27
